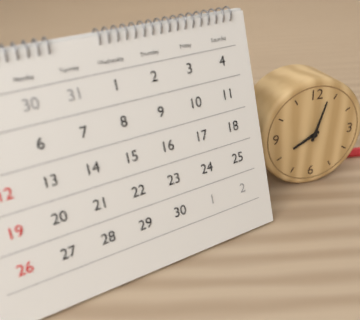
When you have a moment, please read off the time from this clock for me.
8:03
